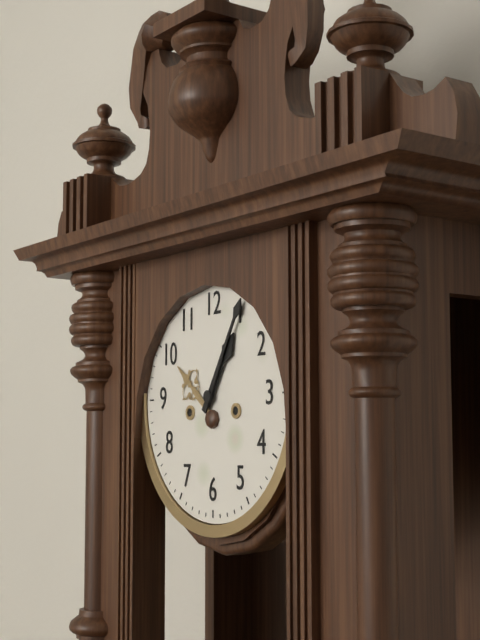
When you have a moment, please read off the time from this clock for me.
1:05
